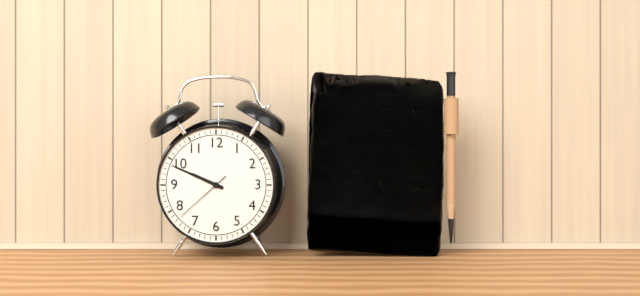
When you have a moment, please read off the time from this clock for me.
9:49:38
